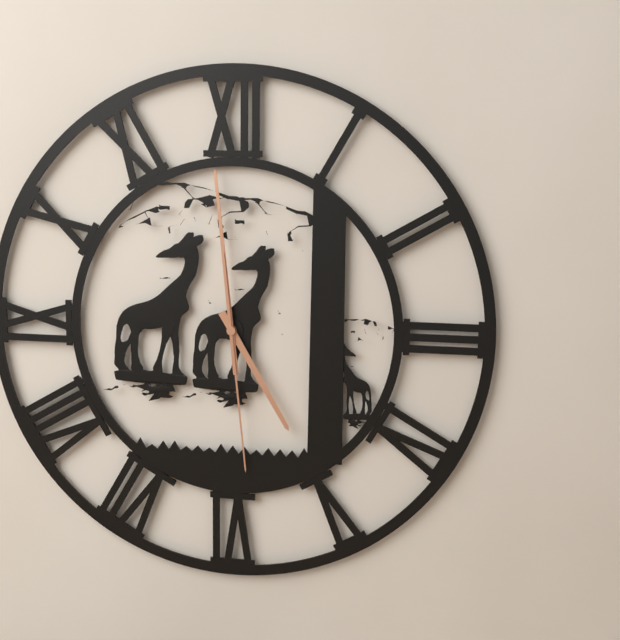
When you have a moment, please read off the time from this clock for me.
4:59:29
